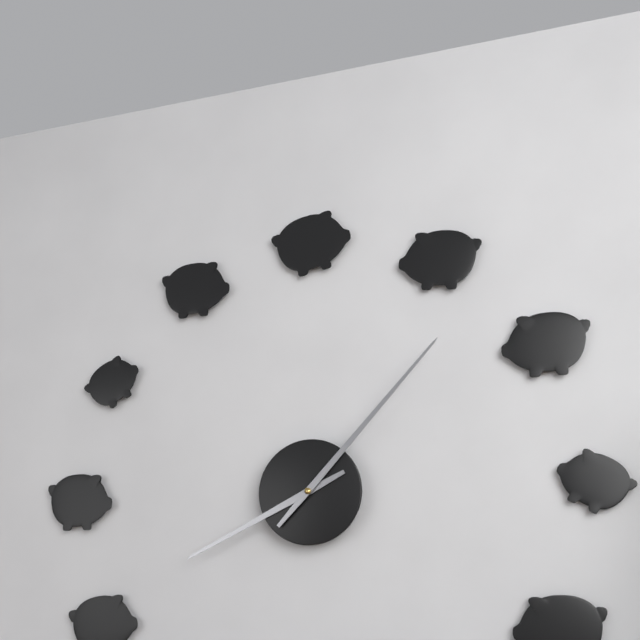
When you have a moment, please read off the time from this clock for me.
8:07
